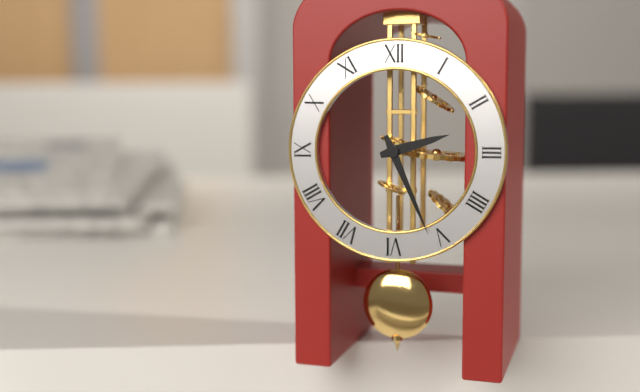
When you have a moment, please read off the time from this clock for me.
2:26
